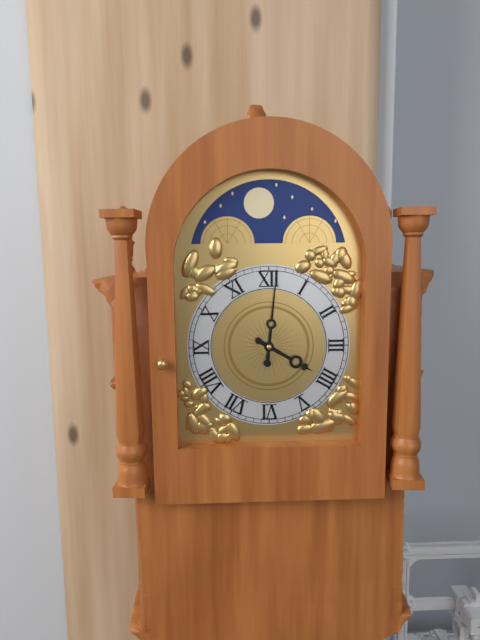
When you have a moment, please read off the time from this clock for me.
4:01
